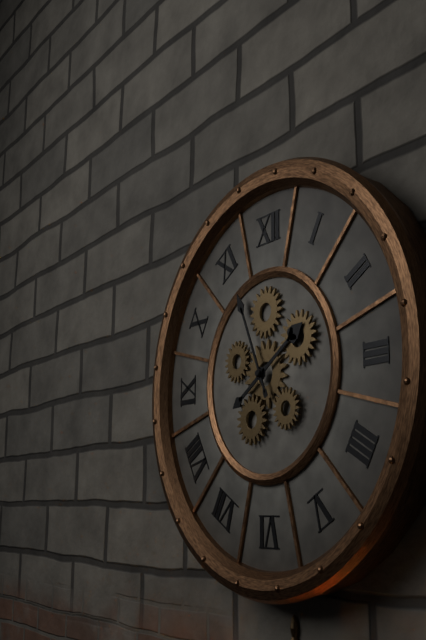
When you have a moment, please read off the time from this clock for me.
1:56
